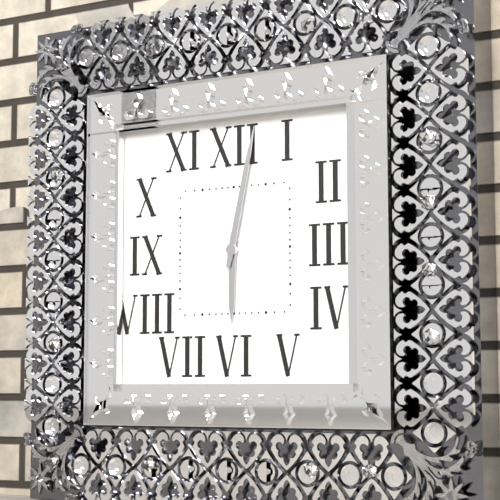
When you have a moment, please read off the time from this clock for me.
6:02
